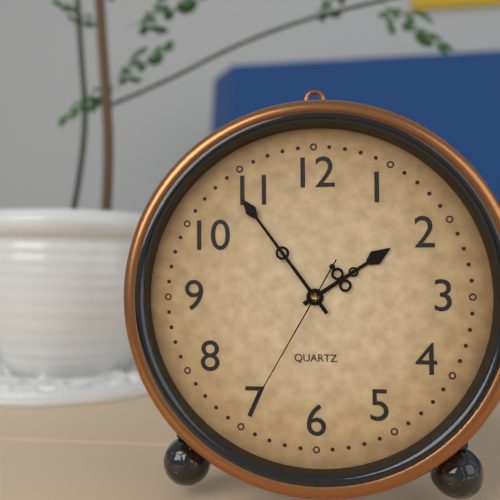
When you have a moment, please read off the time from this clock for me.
1:54:35
